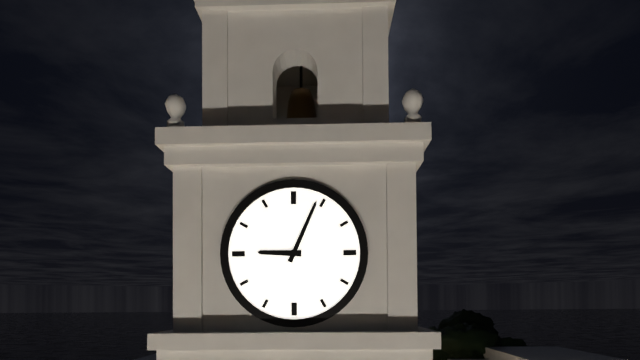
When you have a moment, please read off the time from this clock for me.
9:04
